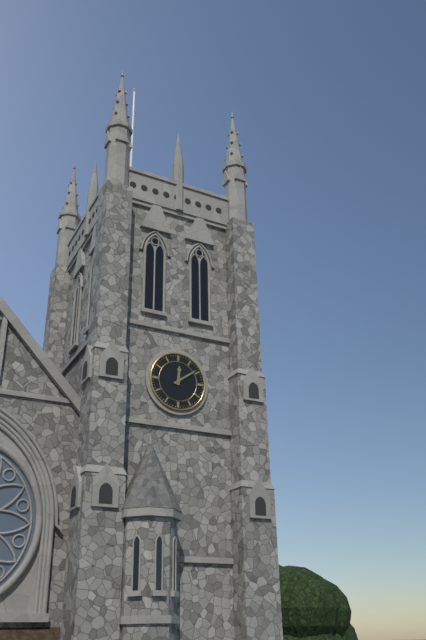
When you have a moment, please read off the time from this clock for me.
12:09
